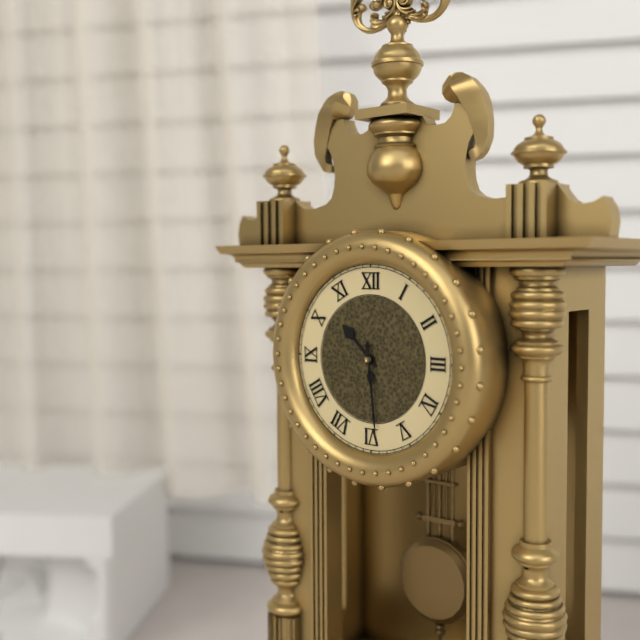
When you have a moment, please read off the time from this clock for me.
10:29
